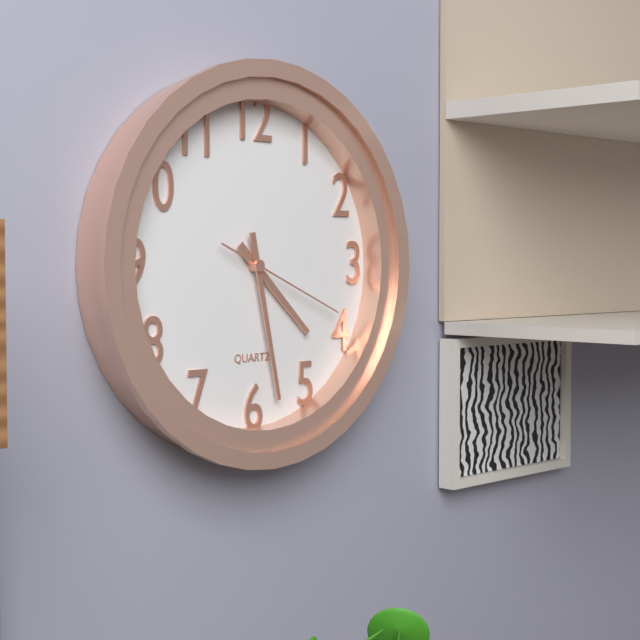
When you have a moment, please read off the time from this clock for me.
4:28:19
